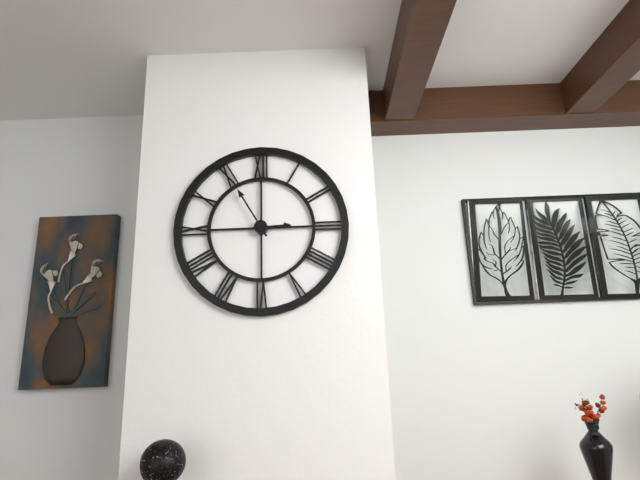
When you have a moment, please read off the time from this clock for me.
2:55
